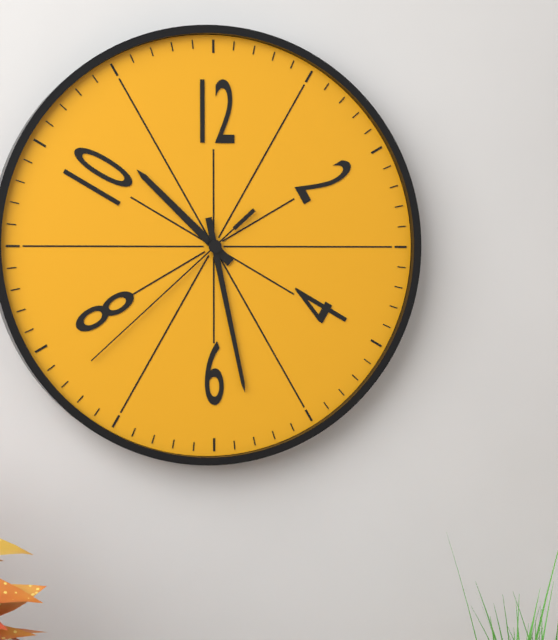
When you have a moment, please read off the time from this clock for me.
10:28:38
